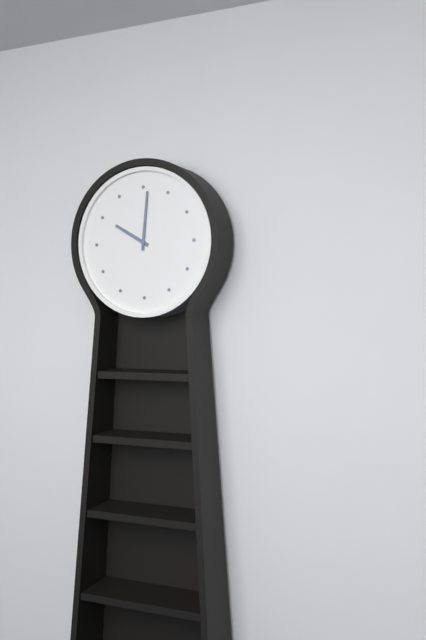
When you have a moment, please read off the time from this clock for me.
10:01
